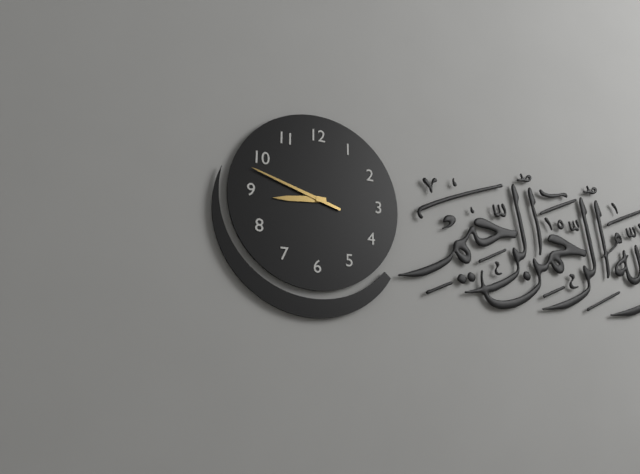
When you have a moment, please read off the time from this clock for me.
8:48
